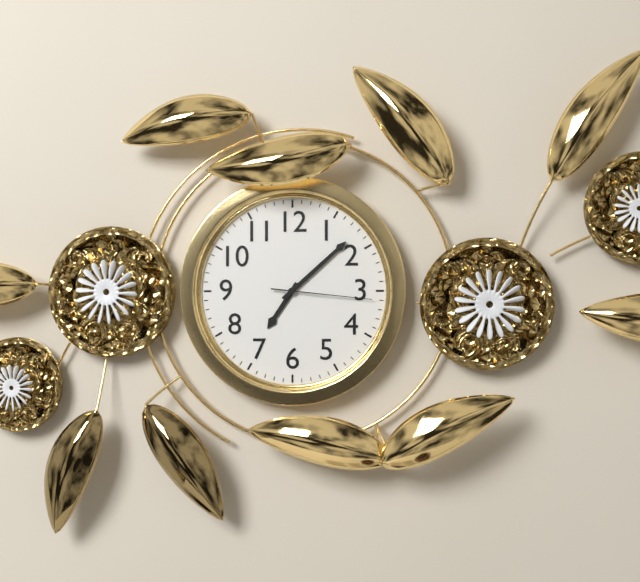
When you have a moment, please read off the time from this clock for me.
7:08:16
